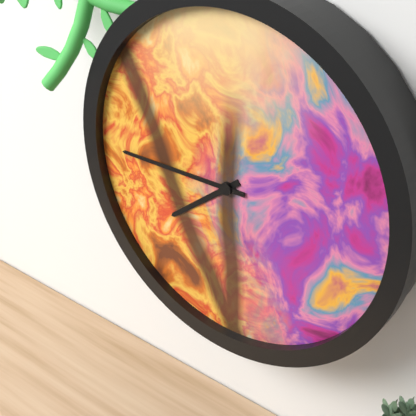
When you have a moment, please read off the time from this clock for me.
7:45
